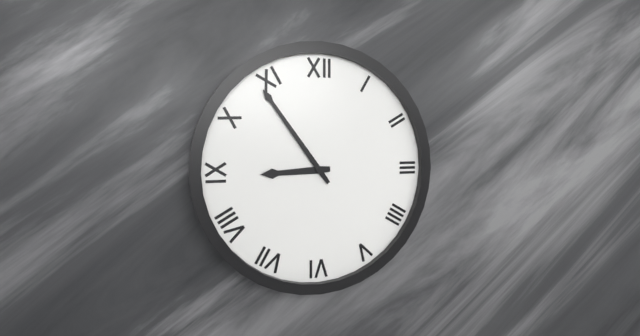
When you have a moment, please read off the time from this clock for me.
8:54
